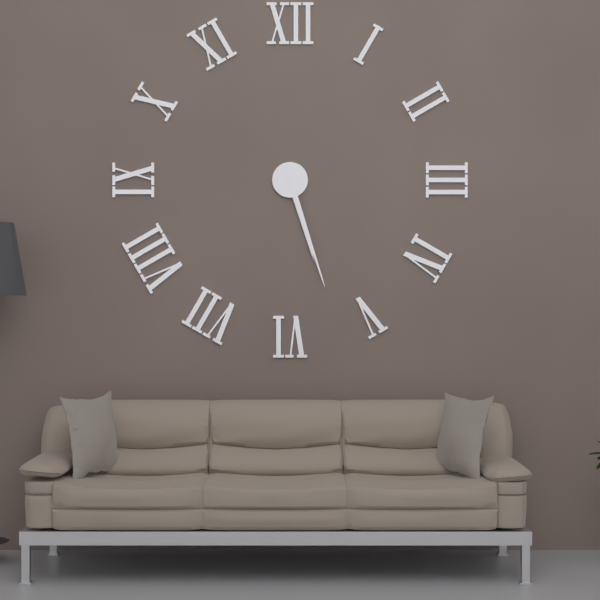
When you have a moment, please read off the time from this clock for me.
5:27
